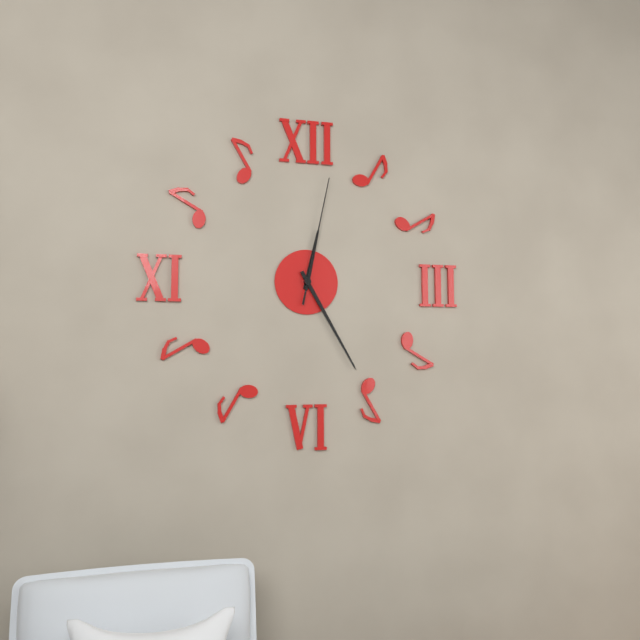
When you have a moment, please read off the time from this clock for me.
12:25:02
